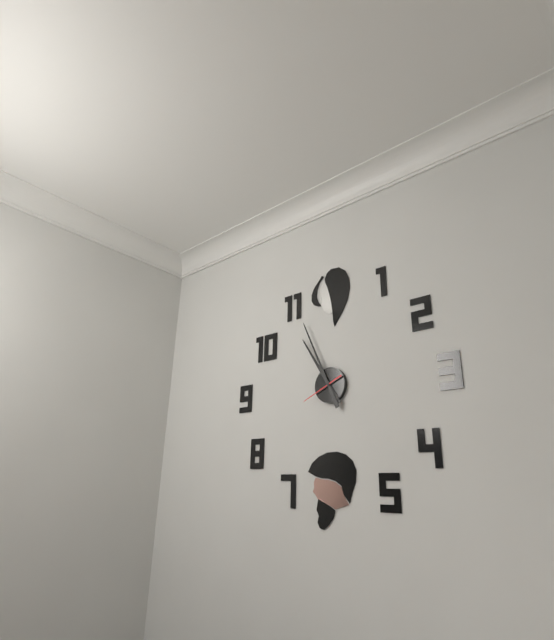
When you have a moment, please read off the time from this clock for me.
10:56
